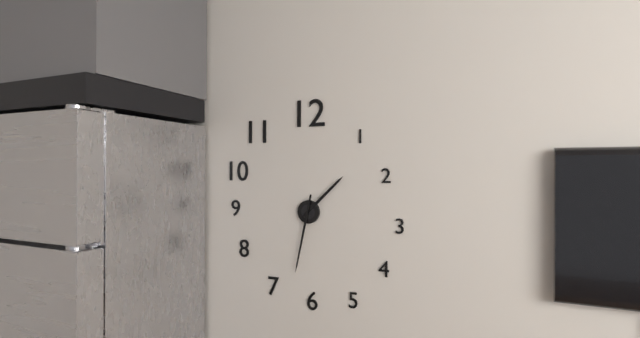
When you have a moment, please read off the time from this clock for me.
1:32
